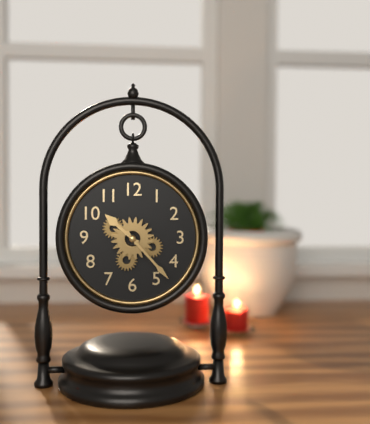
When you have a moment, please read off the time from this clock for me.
10:23
